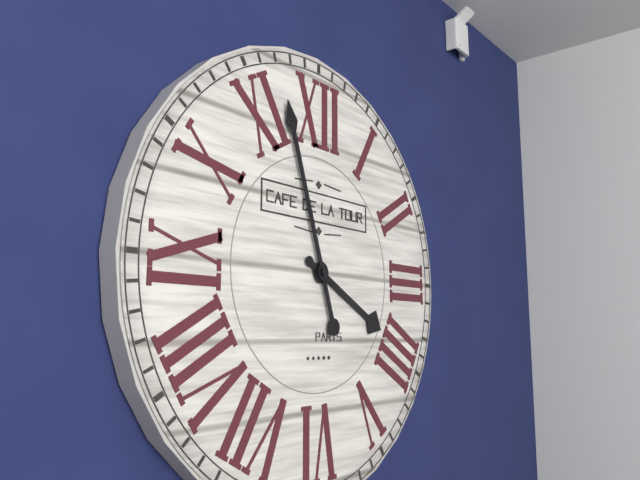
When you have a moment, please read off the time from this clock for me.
3:57
